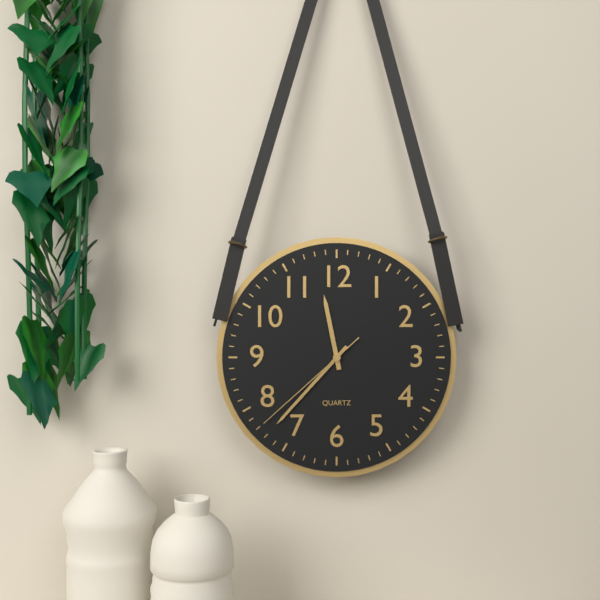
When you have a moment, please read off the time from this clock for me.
11:37:38
